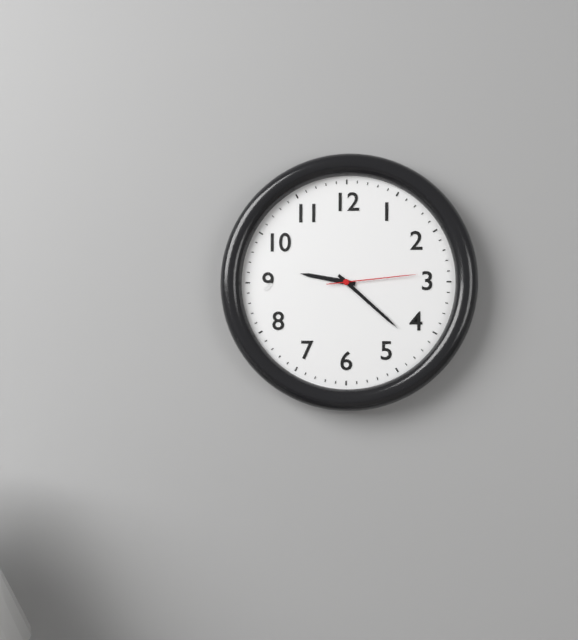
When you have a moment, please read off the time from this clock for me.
9:22:14
